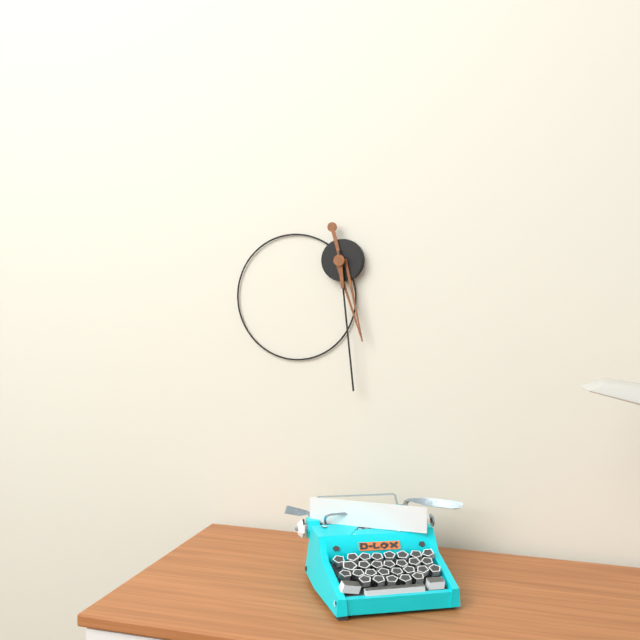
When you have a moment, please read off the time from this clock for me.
5:29
